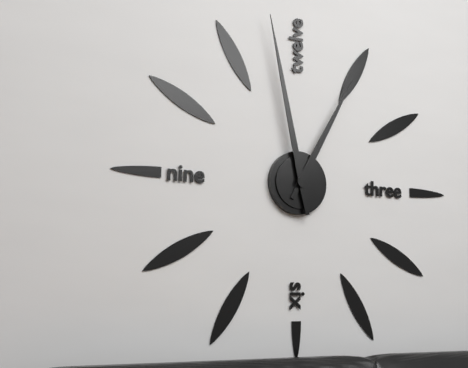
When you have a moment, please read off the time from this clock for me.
12:58
